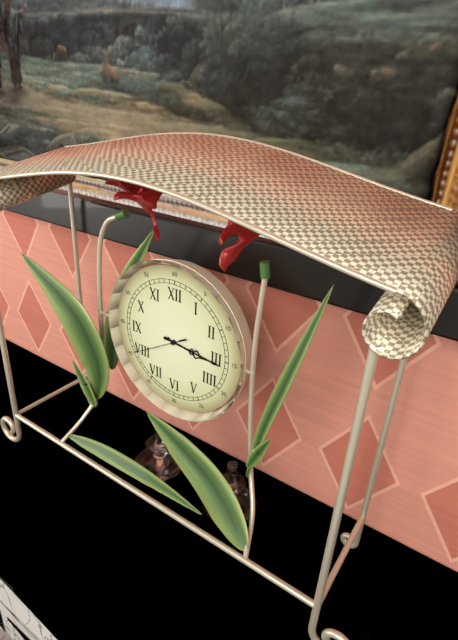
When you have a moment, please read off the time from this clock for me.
3:16:40
